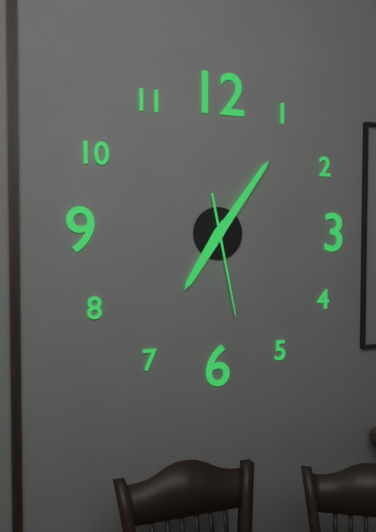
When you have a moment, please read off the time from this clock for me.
7:06:28
